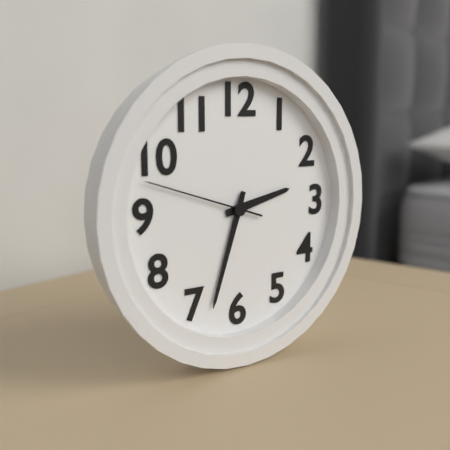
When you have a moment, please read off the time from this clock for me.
2:33:48
